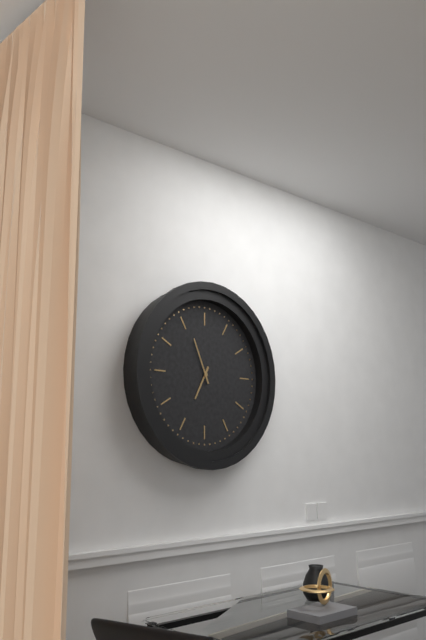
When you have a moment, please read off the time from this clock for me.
6:56
